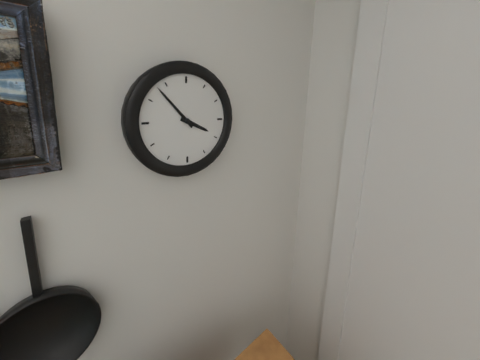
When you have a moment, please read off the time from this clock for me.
3:53
